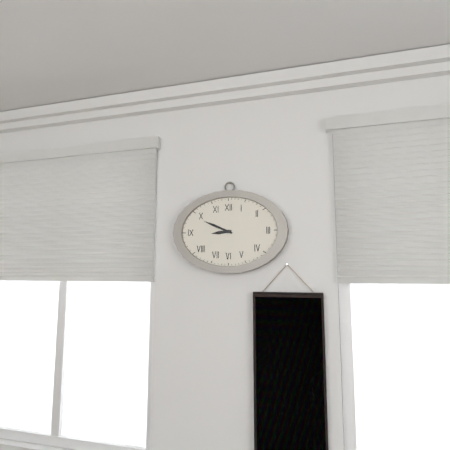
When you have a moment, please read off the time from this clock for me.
8:49
